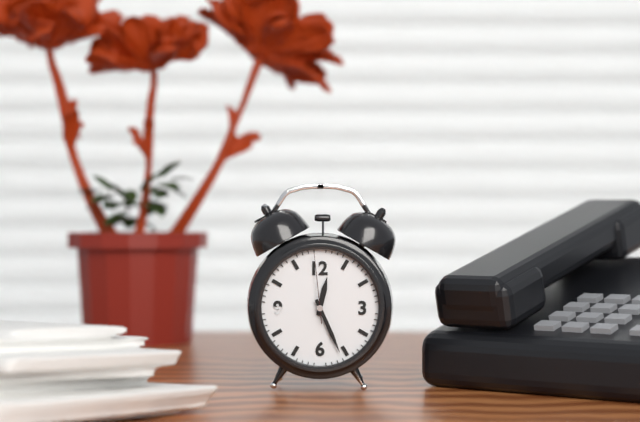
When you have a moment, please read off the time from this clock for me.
12:26:59
